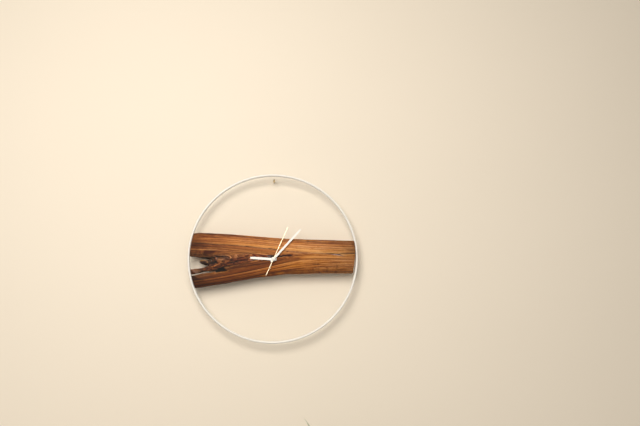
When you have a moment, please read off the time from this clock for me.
9:07
